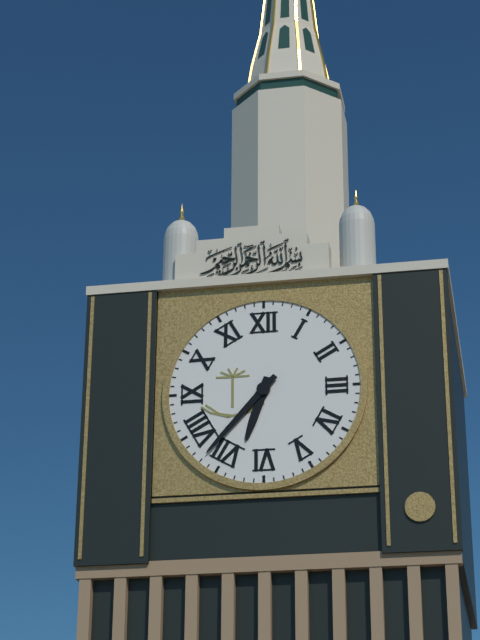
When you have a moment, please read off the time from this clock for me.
6:37
